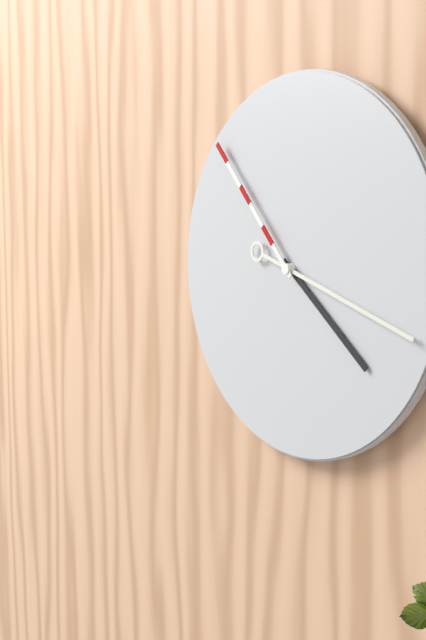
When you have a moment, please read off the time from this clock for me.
4:18:53
